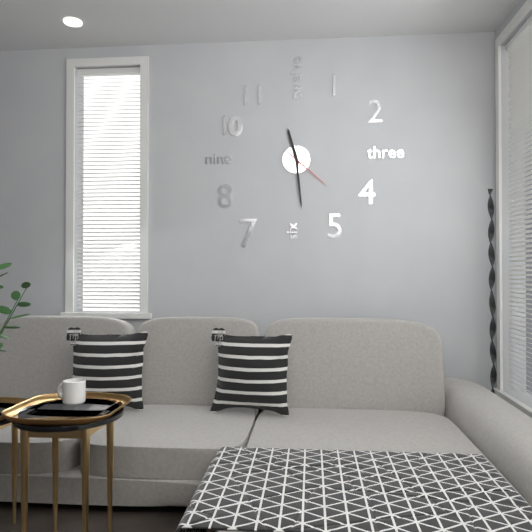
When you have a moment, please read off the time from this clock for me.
11:29:22
